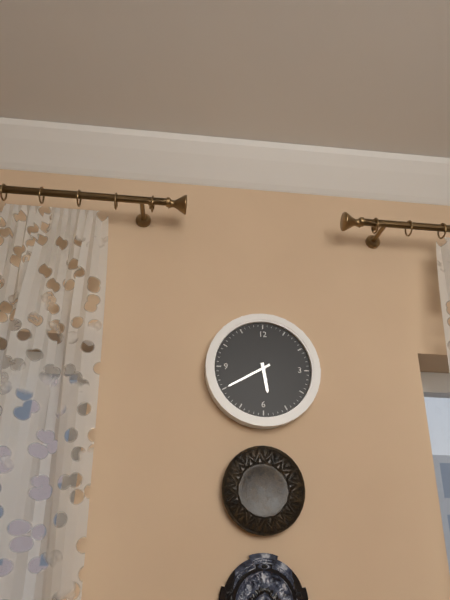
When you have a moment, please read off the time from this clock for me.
5:40
